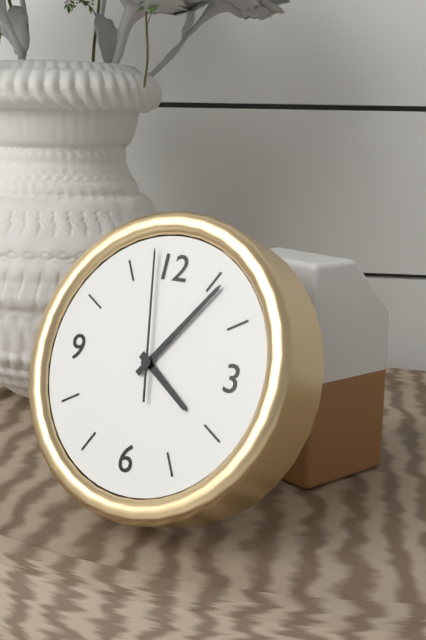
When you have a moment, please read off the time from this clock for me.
4:06:58
